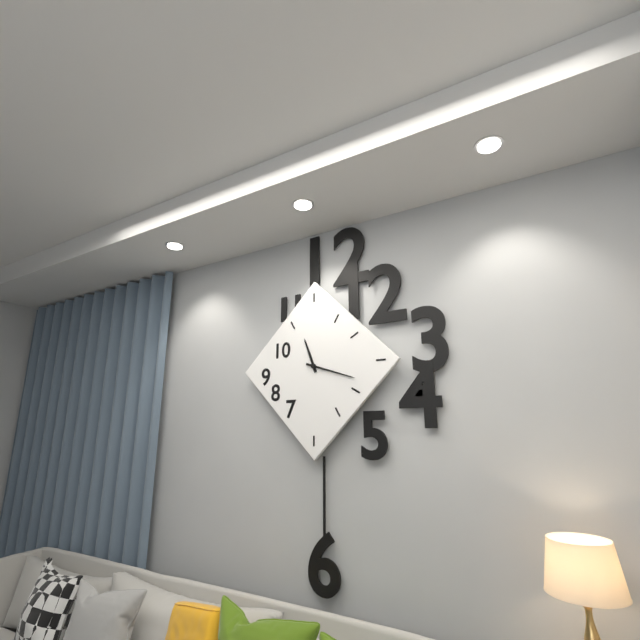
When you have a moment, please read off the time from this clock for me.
11:18
